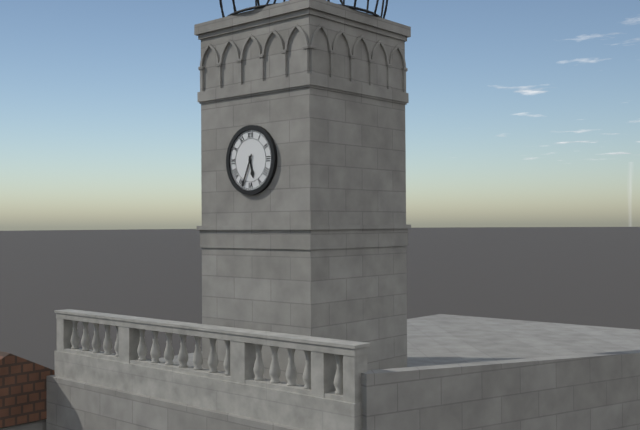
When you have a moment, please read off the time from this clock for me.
5:34
